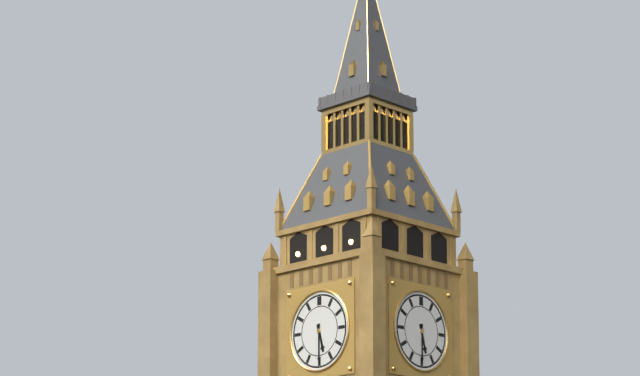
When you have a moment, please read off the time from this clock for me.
5:30
